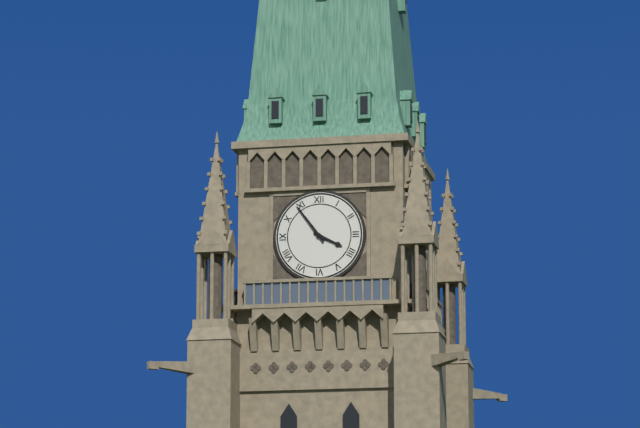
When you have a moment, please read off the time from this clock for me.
3:54
